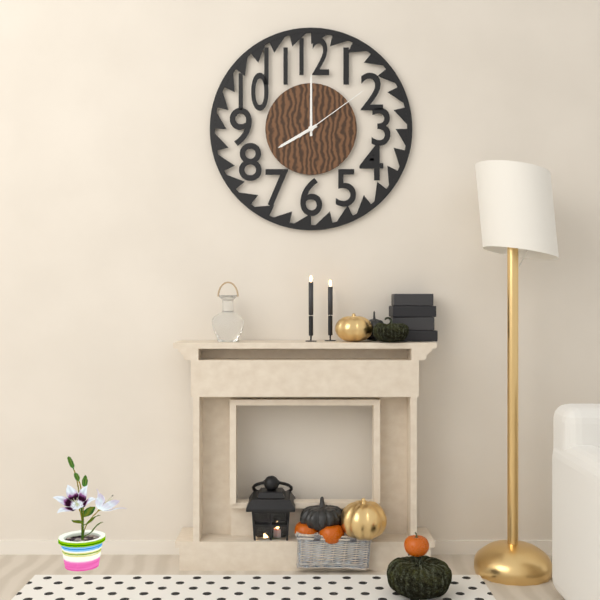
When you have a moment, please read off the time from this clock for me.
8:00:09
